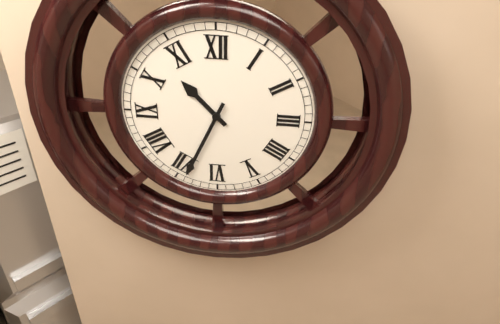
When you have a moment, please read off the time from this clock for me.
10:34
